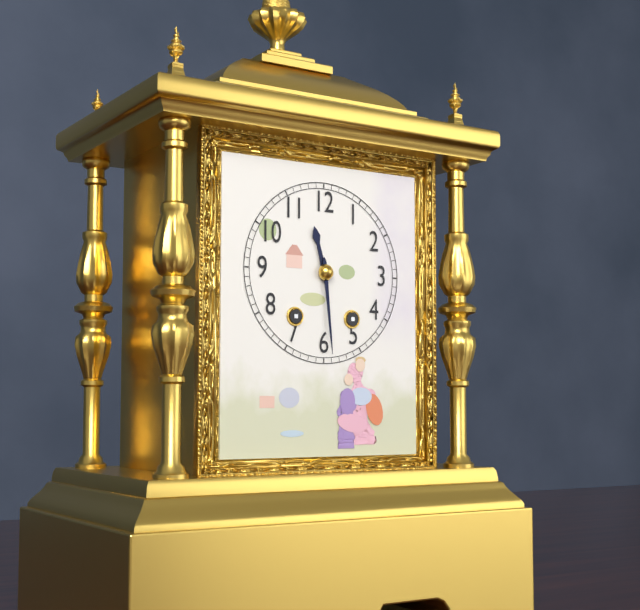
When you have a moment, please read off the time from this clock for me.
11:29
